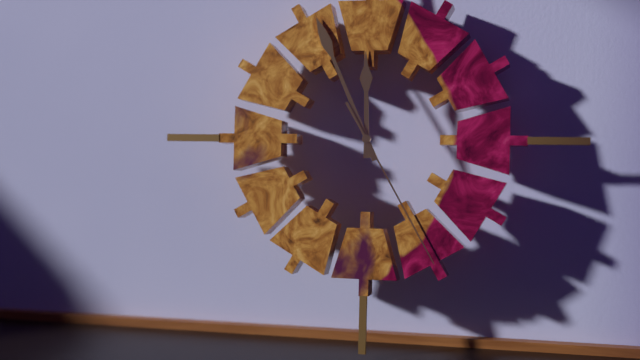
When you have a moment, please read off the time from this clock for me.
11:56:25
